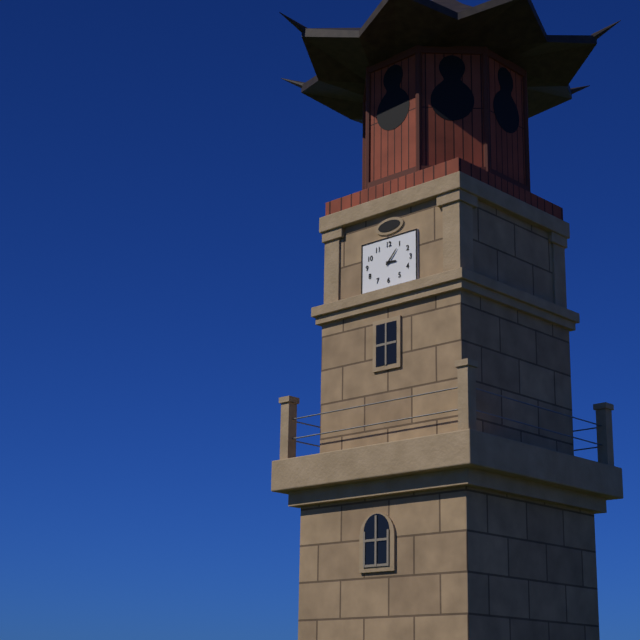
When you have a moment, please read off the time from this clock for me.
3:07
